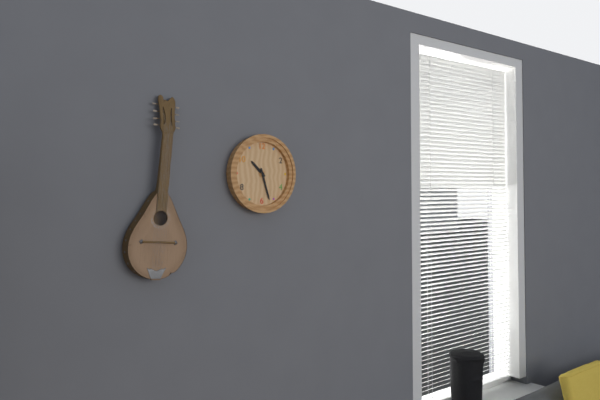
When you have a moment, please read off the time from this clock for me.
10:27
